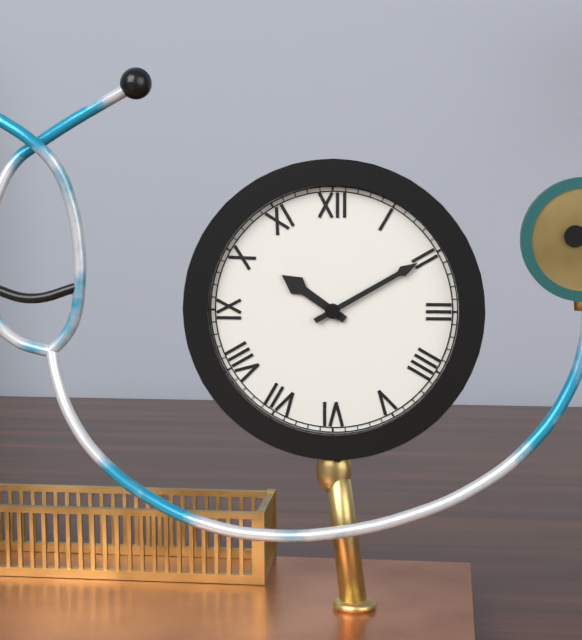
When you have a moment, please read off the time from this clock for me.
10:10
